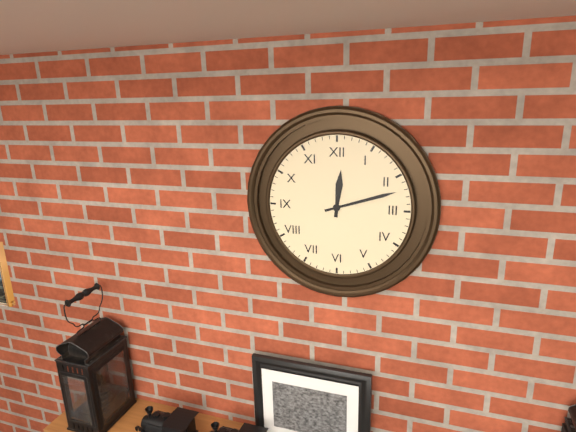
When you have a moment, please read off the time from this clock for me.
12:12
